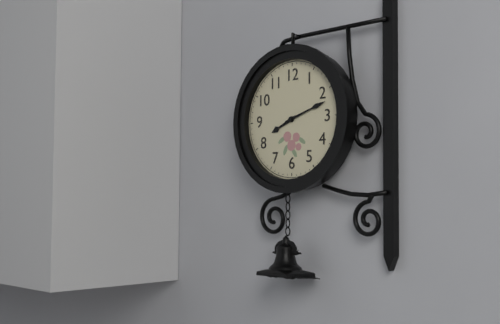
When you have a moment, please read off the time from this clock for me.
8:12
